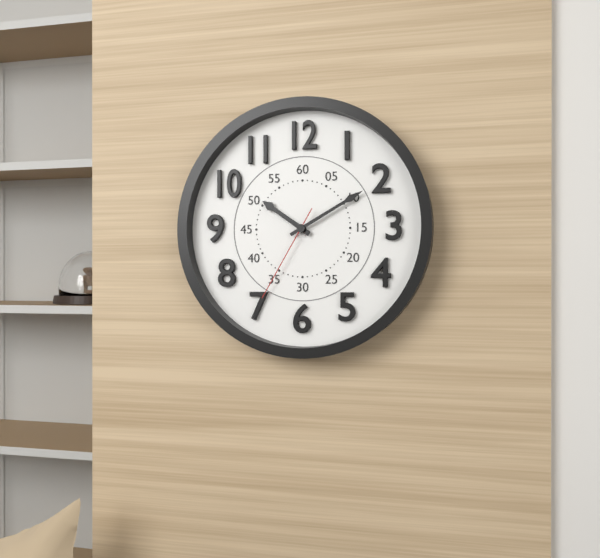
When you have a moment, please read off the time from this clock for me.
10:10:35
